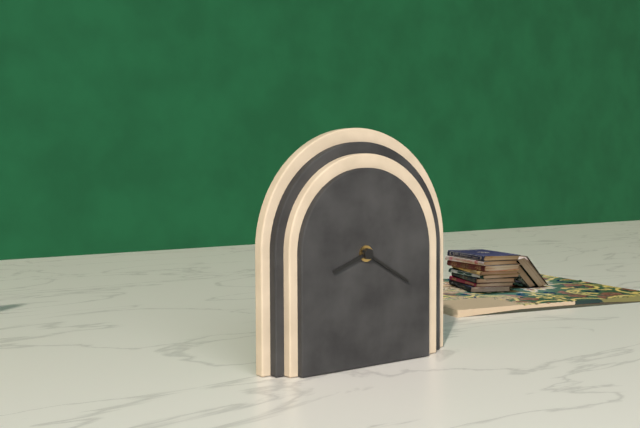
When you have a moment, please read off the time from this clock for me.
8:20
